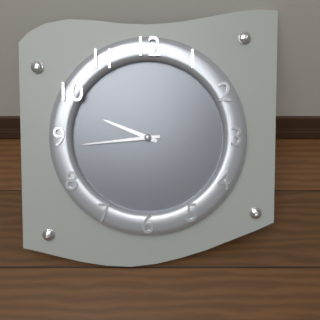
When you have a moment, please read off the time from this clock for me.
9:44
